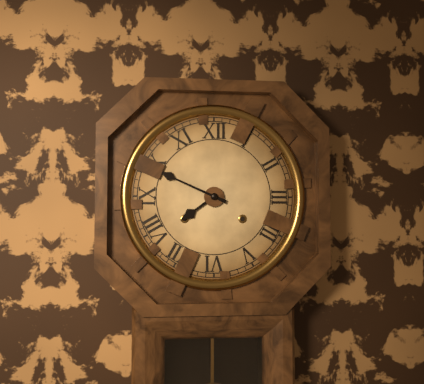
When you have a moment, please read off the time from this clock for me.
7:49
